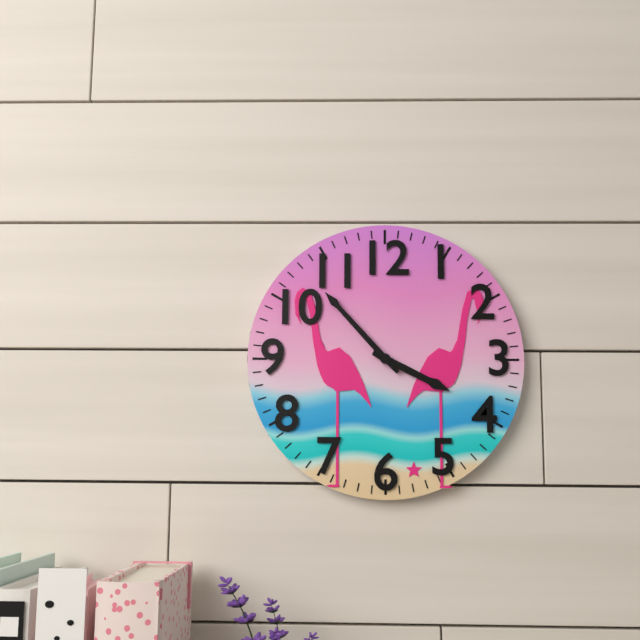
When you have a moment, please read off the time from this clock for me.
3:53
